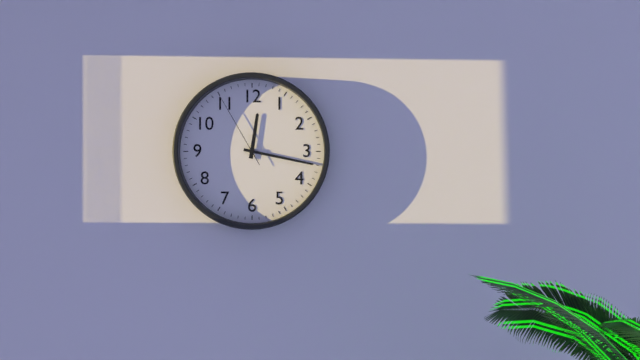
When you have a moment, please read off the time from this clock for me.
12:17:55
